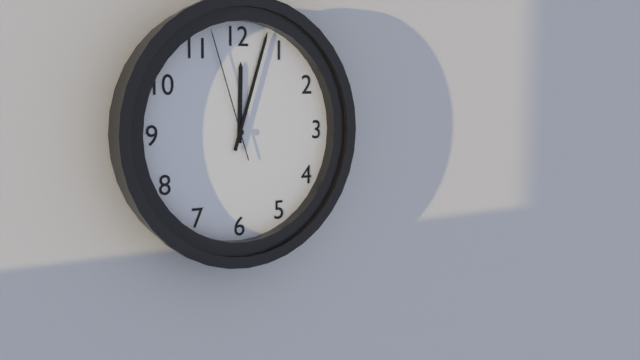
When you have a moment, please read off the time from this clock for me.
12:03:57
